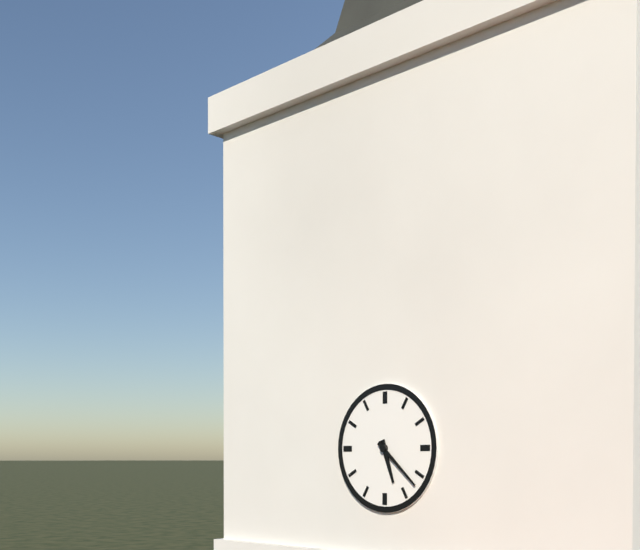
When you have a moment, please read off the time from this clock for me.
5:22
